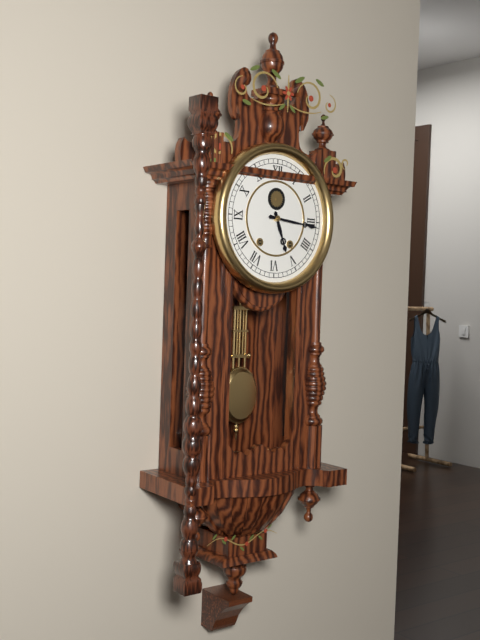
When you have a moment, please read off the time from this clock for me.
5:16
